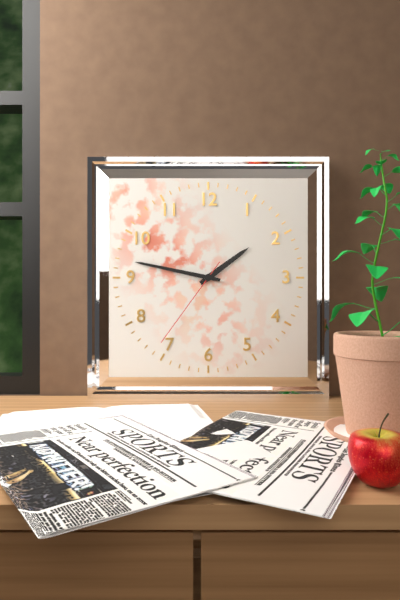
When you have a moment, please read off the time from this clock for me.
1:47:36
